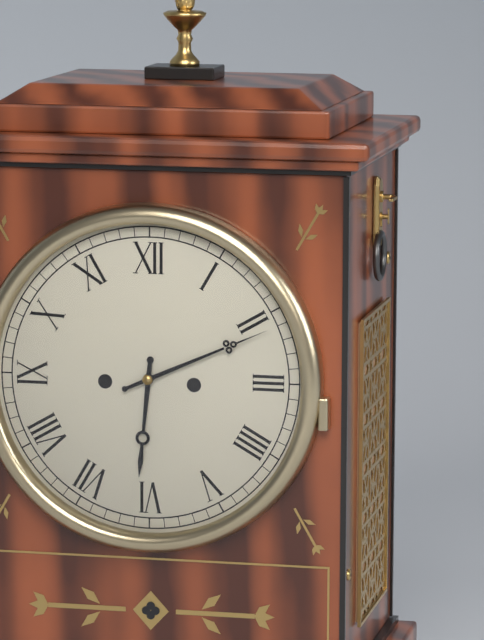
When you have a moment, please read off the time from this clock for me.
6:11
